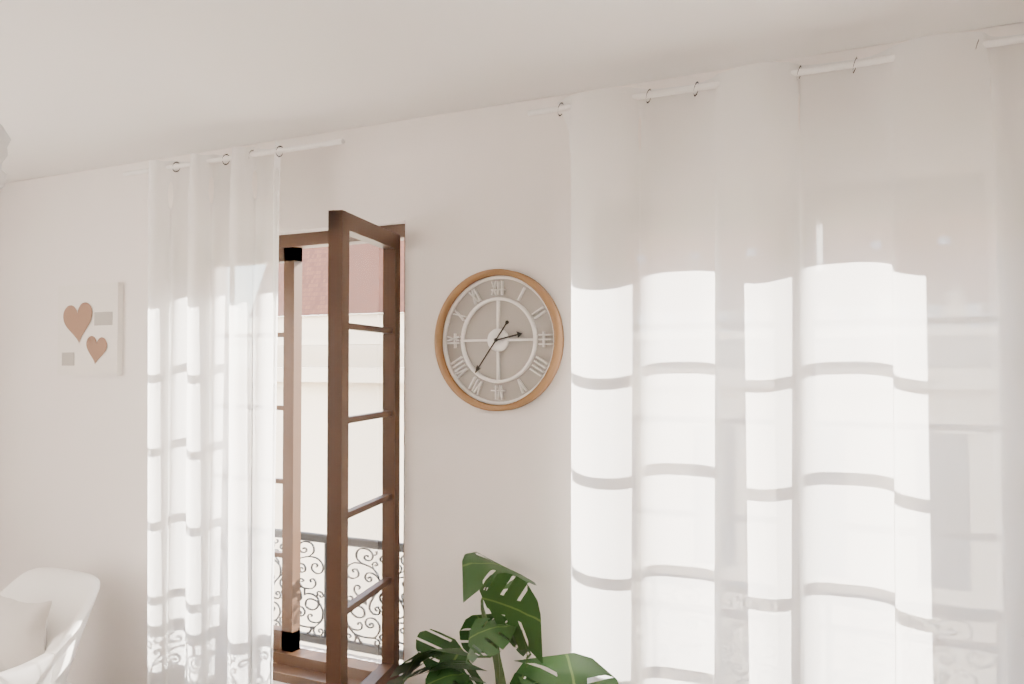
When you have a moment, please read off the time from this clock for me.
2:36
